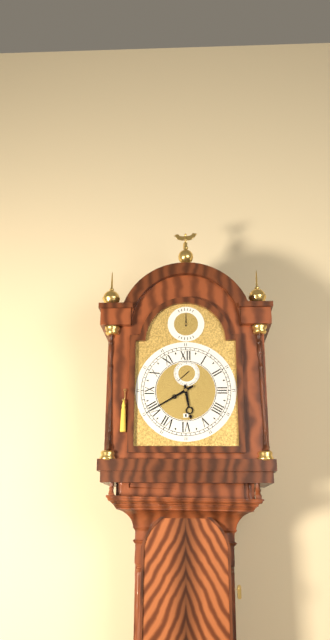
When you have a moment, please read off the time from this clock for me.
5:40
